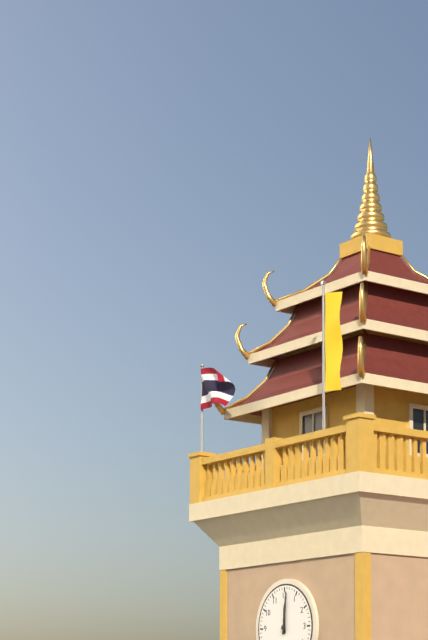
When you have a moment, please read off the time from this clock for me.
12:01
